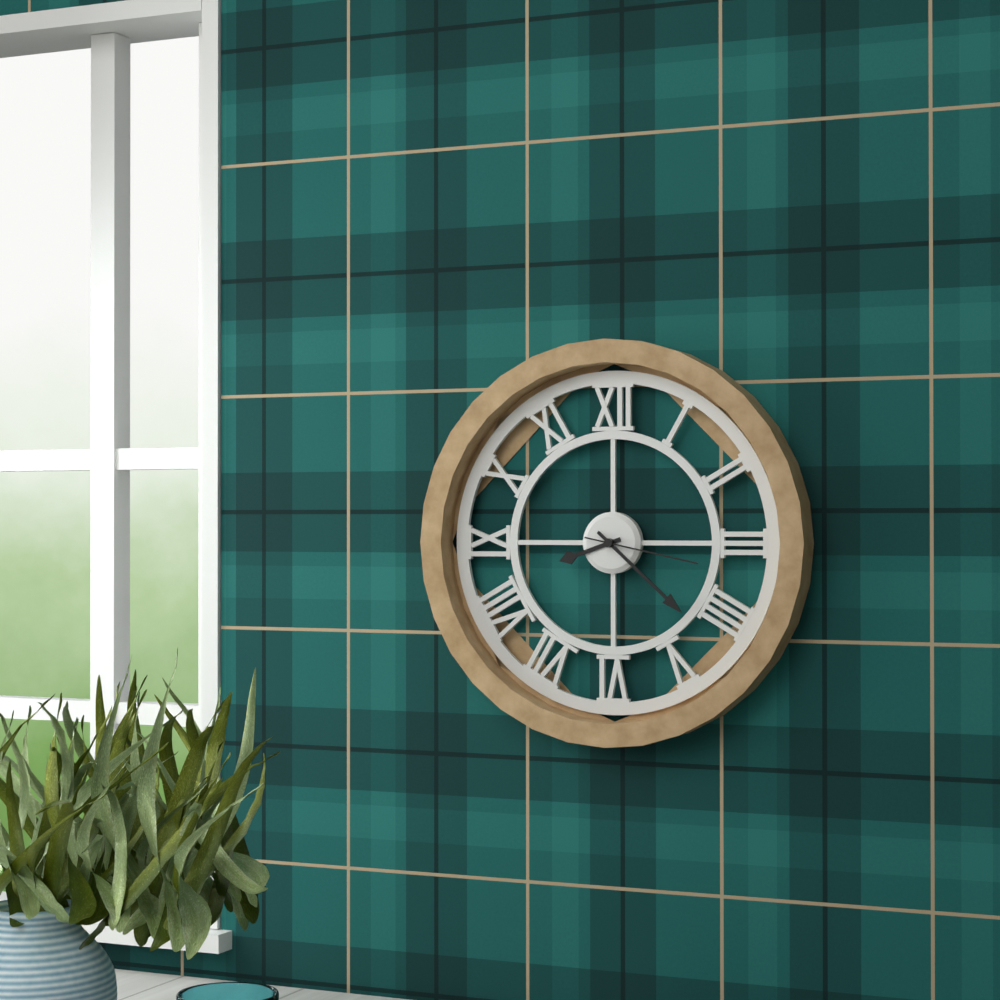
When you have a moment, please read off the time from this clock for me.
8:22:17
